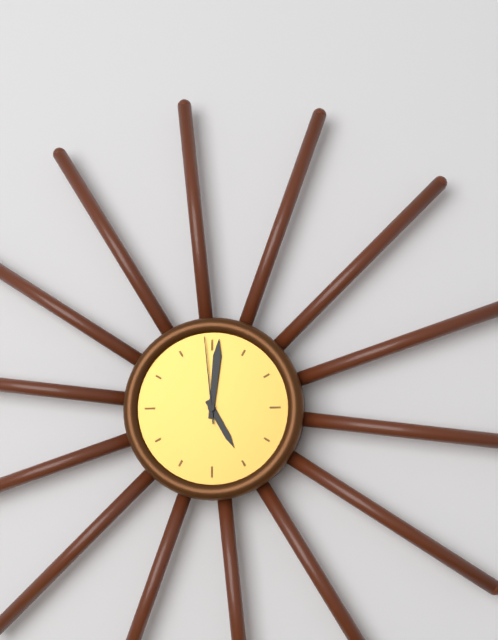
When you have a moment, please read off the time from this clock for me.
5:01:59
